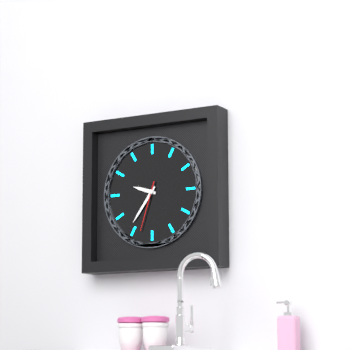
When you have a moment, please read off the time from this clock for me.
9:36:33
